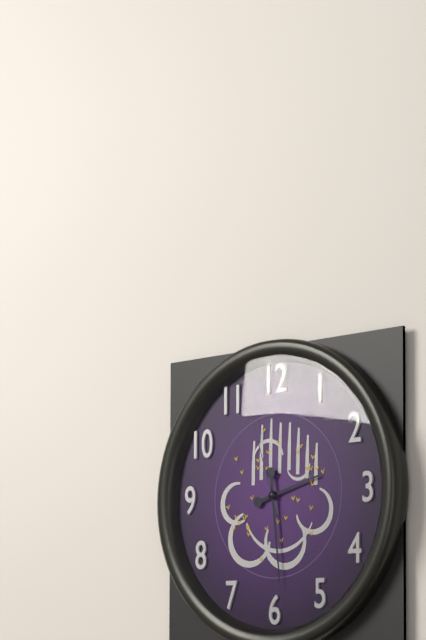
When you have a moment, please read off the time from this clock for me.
2:29:57
